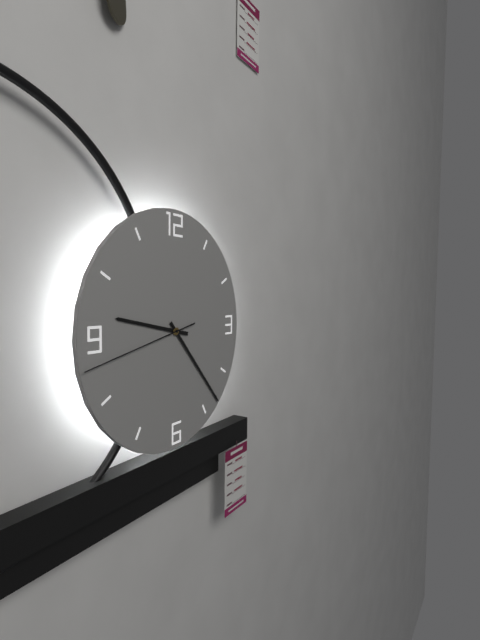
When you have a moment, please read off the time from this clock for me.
9:23:43
